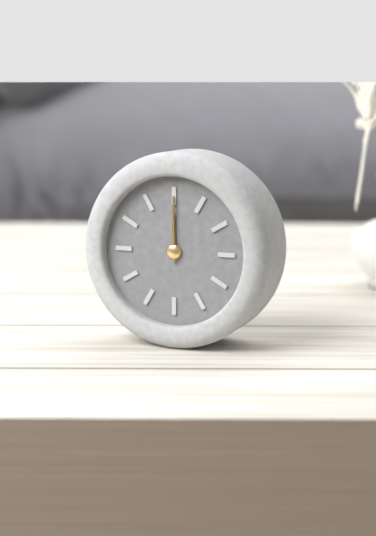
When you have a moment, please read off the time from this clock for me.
12:00
